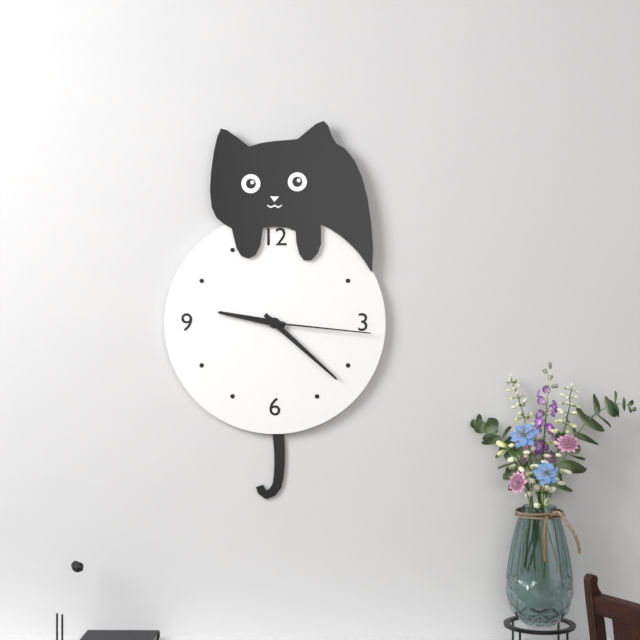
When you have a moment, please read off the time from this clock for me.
9:22:16
